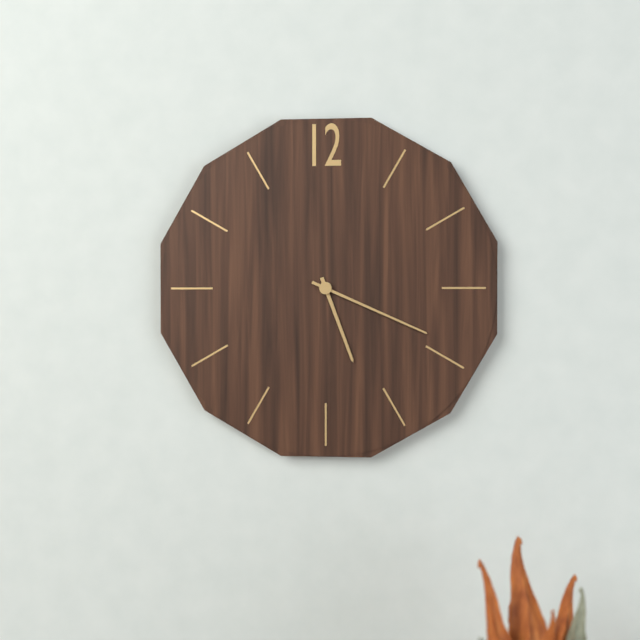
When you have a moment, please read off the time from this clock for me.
5:19
